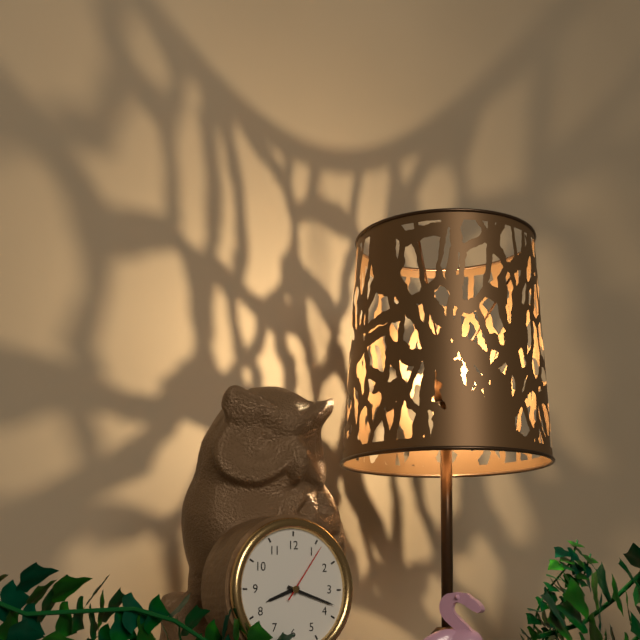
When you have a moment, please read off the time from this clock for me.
8:18:06
